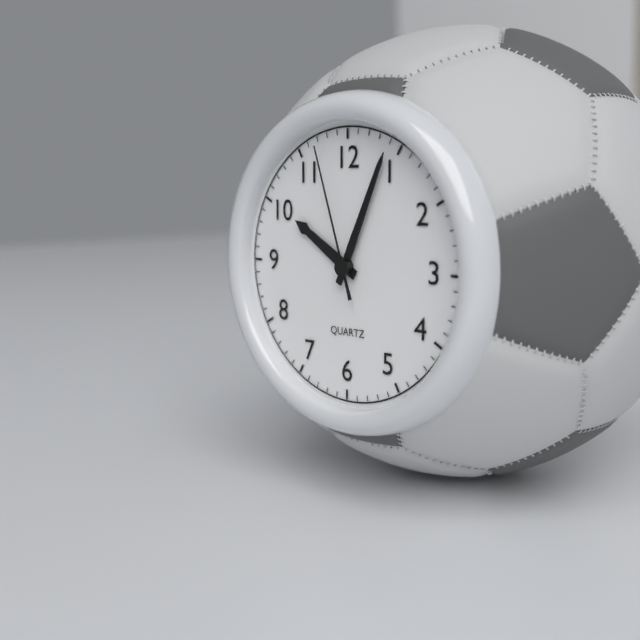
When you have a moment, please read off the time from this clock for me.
10:04:57
